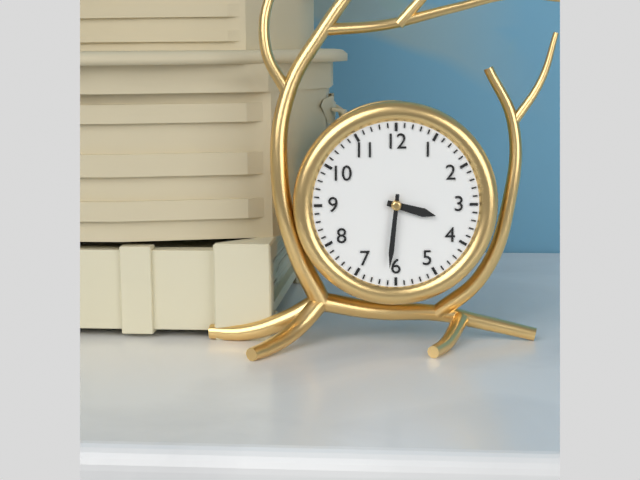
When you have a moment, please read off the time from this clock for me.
3:31
